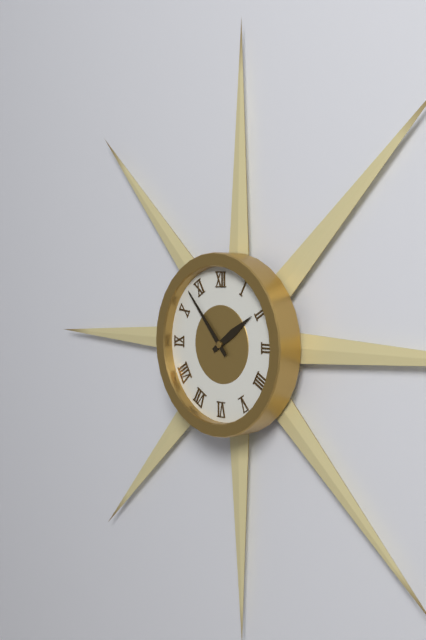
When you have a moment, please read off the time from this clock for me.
1:53
